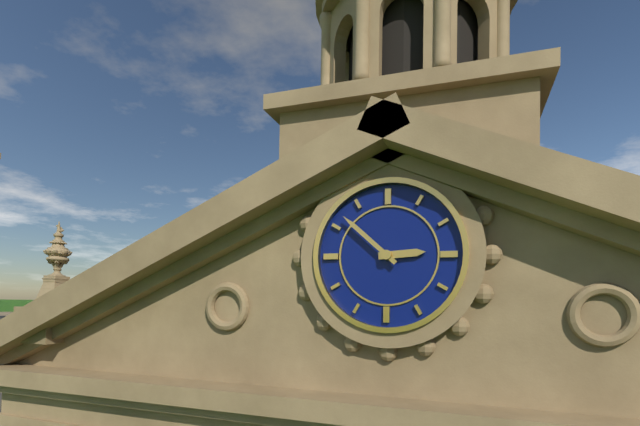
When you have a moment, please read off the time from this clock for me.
2:52
